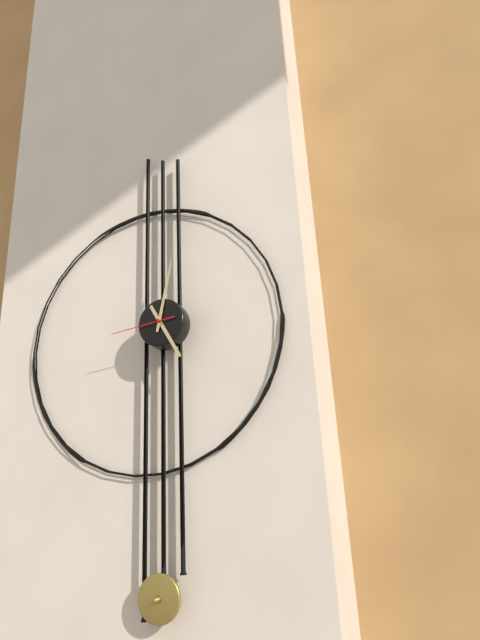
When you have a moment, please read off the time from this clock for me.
5:02:44
